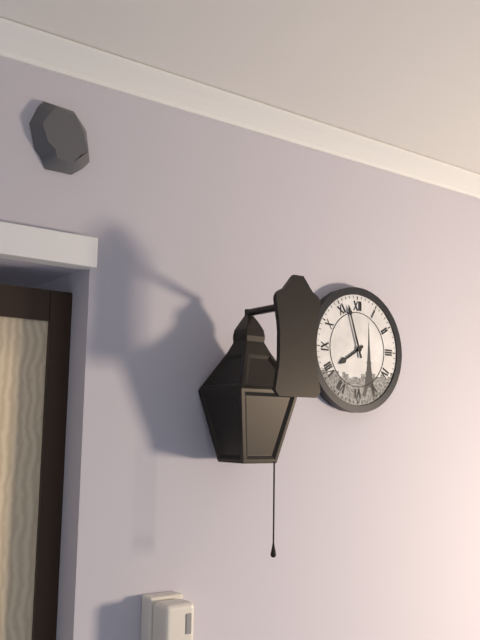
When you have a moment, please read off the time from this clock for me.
7:57
